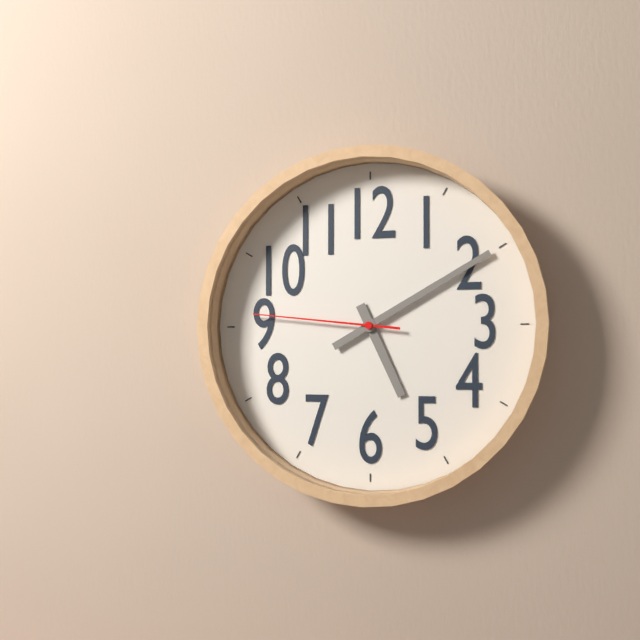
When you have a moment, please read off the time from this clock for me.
5:10:46
